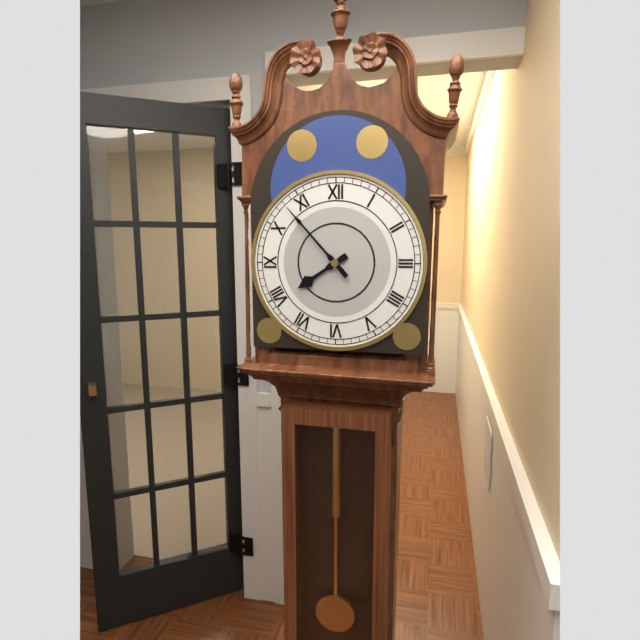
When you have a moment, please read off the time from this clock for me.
7:53
